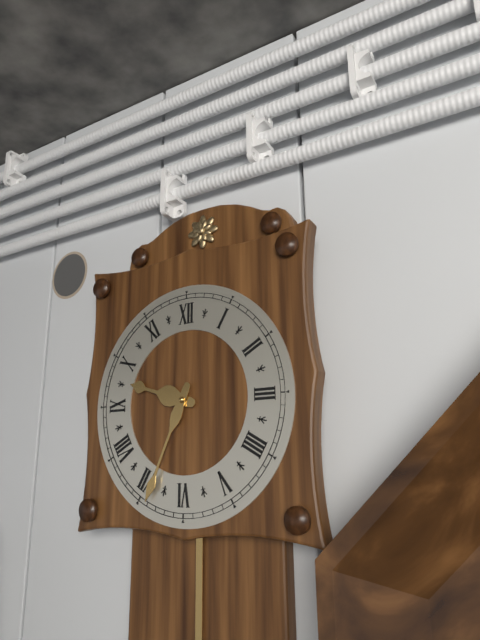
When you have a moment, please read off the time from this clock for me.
9:34
